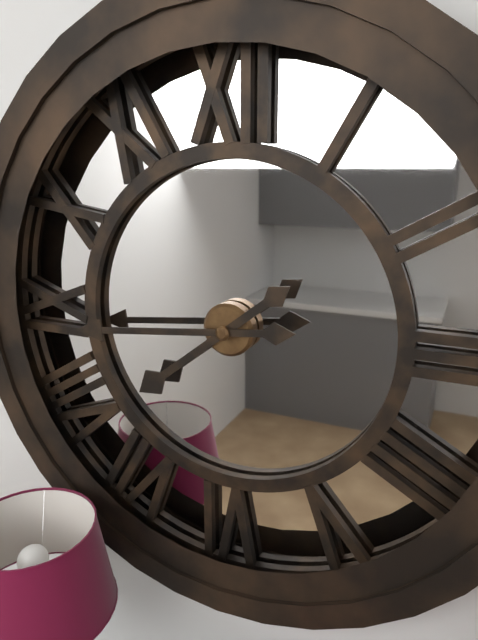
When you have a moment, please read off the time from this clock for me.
7:44
